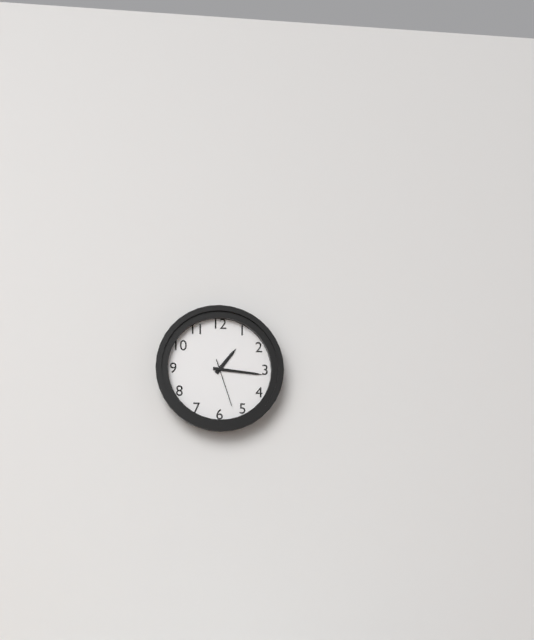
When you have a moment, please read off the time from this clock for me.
1:16
